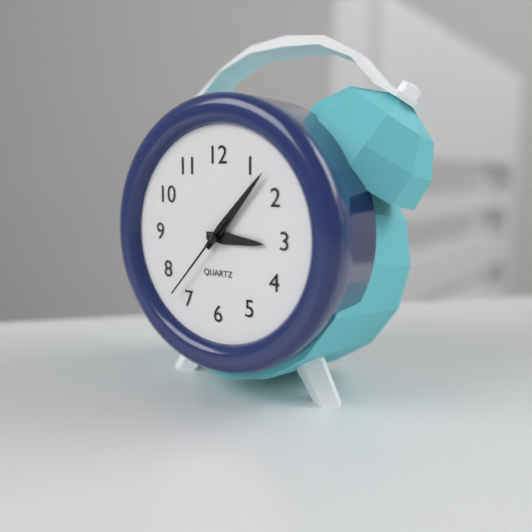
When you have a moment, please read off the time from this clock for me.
3:07:37
